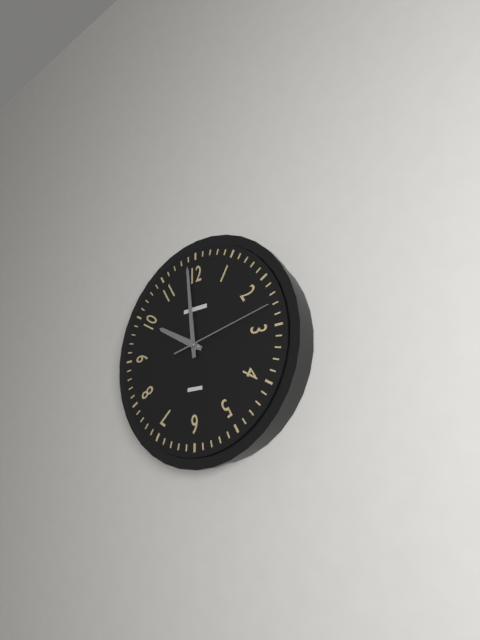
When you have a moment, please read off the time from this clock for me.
9:59:13
